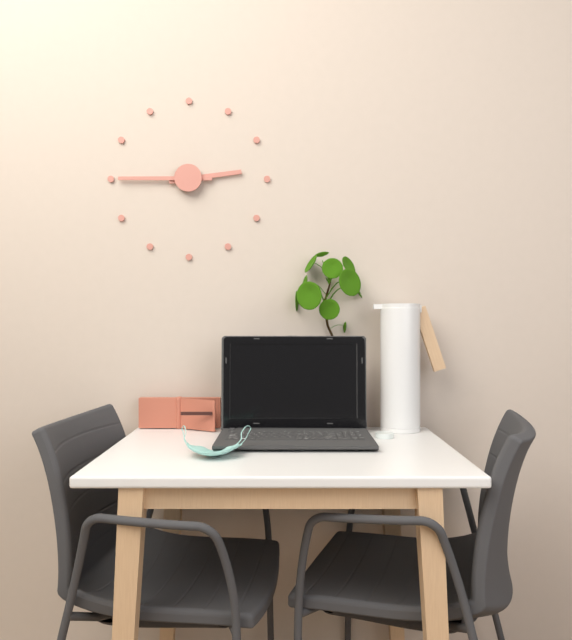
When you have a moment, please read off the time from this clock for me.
2:45
